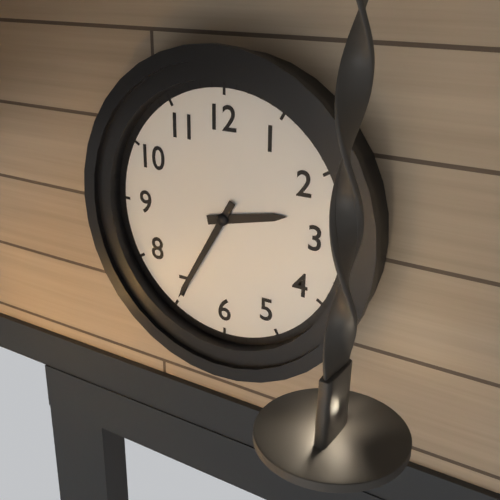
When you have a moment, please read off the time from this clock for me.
2:35
